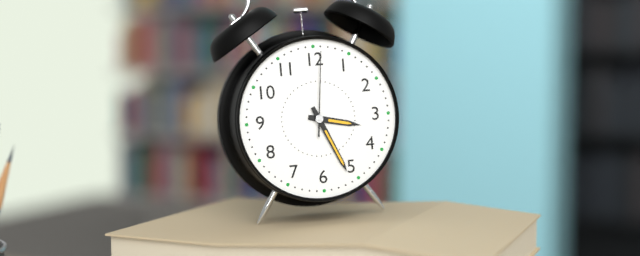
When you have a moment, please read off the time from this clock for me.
3:26:01
